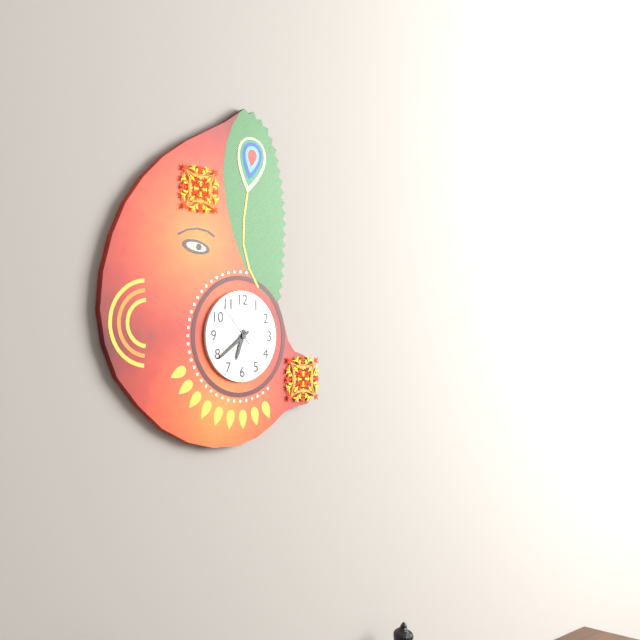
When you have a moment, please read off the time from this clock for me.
6:39
